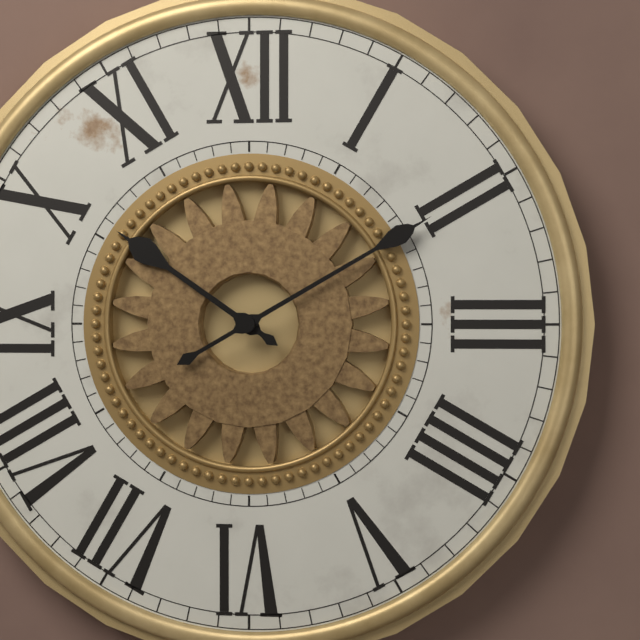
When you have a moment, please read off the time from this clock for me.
10:10
